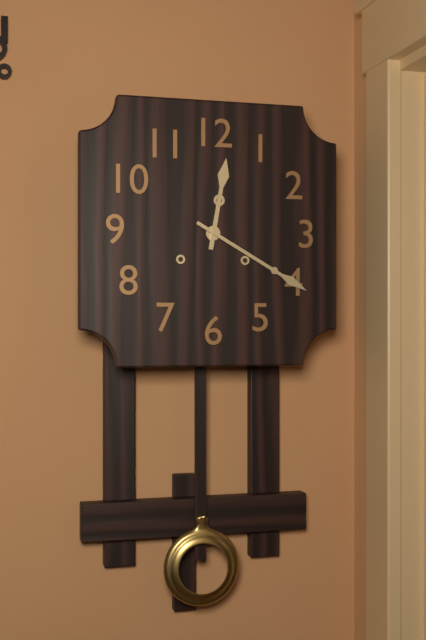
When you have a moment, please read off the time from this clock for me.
12:20
